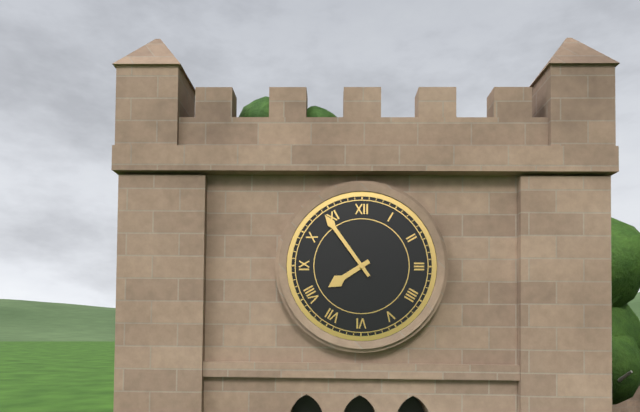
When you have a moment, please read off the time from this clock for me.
7:54
